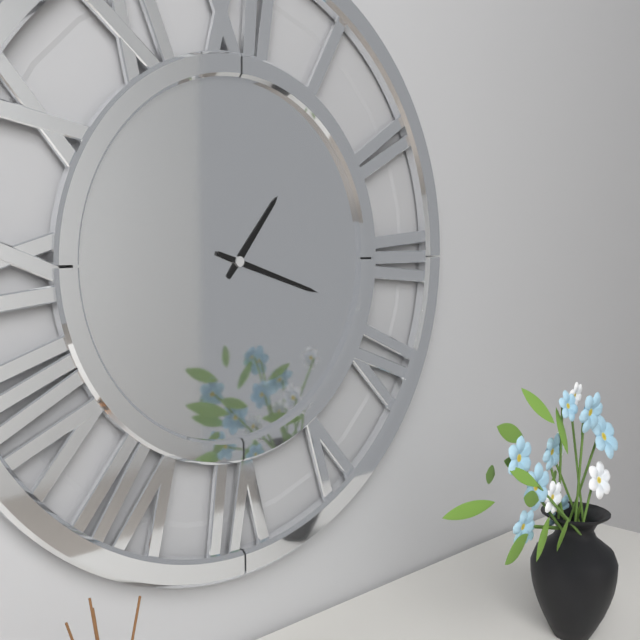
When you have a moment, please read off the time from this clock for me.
1:18
